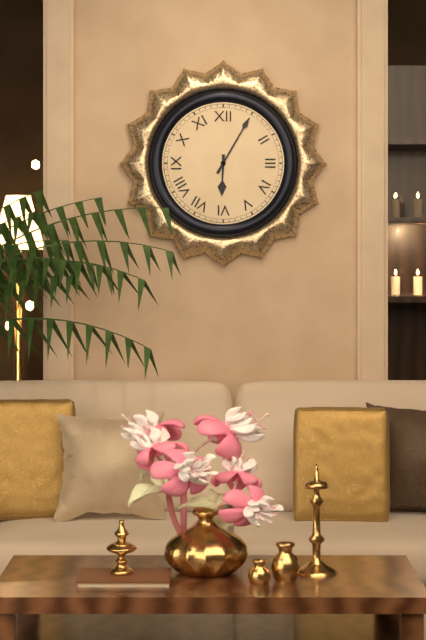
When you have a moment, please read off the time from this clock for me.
6:05
